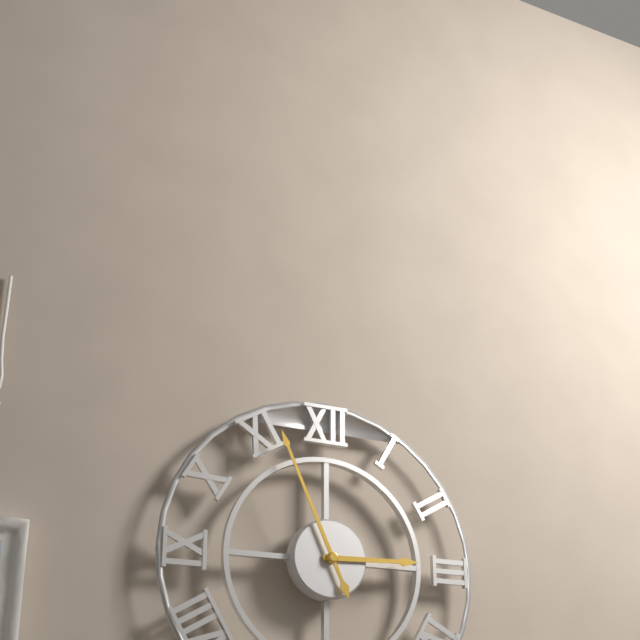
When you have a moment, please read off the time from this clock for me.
2:56
